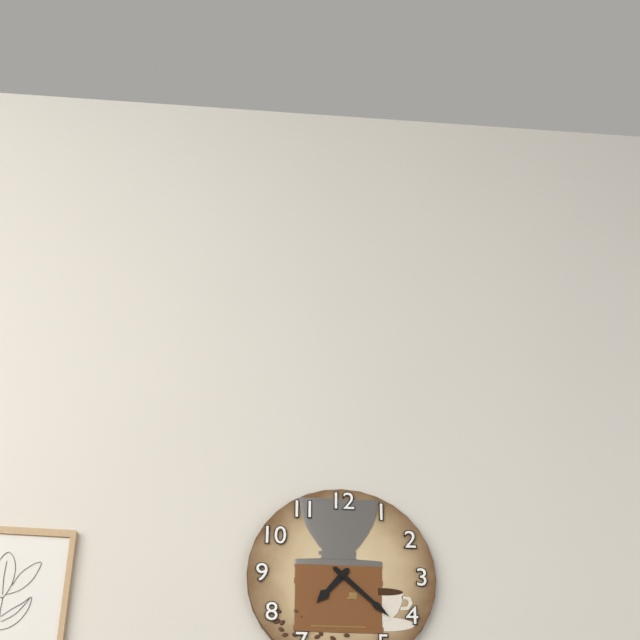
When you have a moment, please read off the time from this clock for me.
7:22
